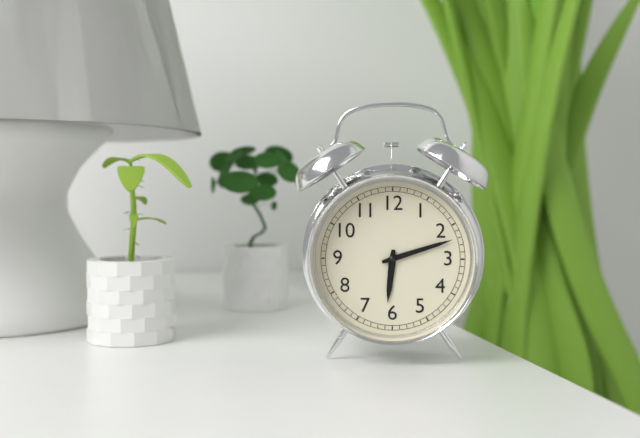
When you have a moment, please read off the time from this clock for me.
6:12
